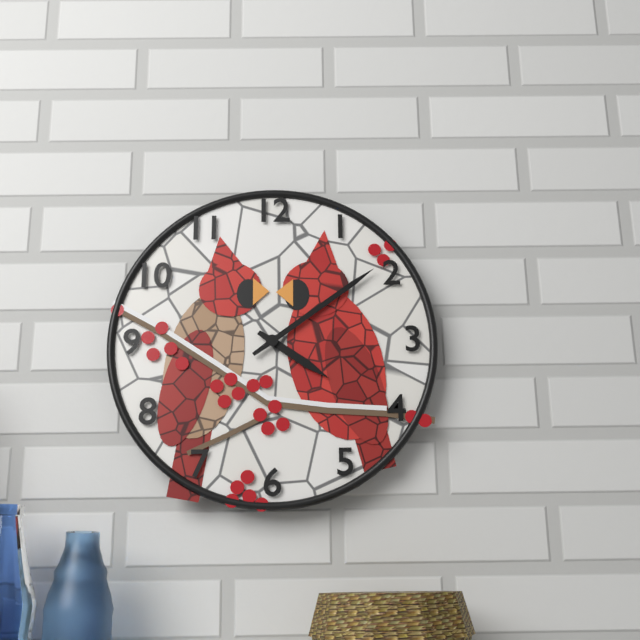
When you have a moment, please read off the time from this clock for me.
4:09
